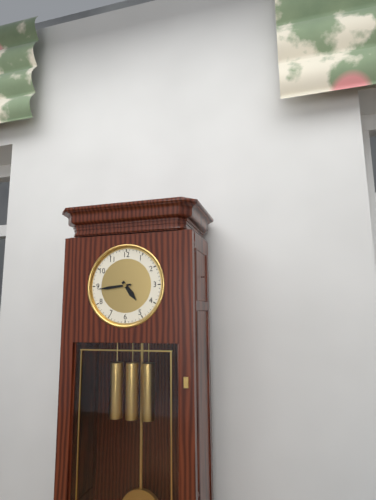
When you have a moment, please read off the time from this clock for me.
4:44
